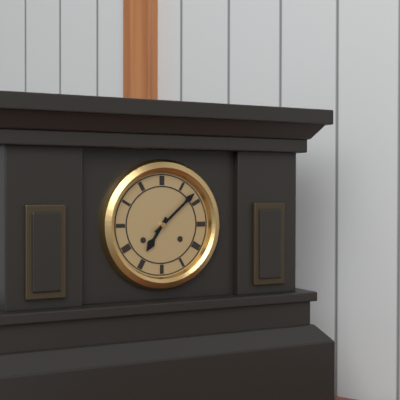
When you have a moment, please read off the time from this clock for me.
7:08
